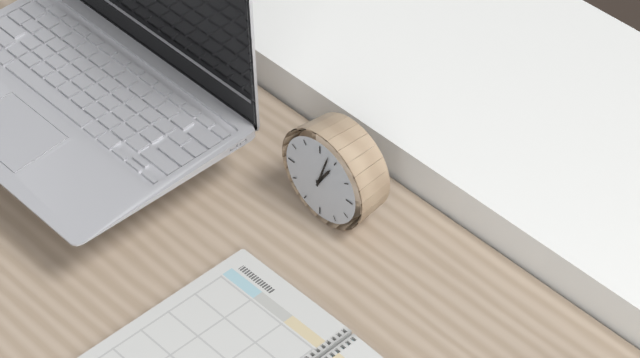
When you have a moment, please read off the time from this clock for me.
1:03
